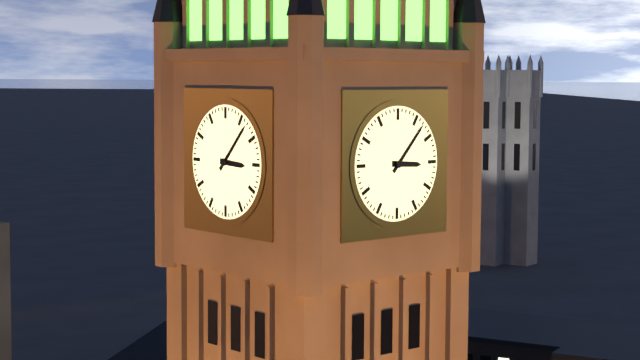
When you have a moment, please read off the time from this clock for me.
3:07
